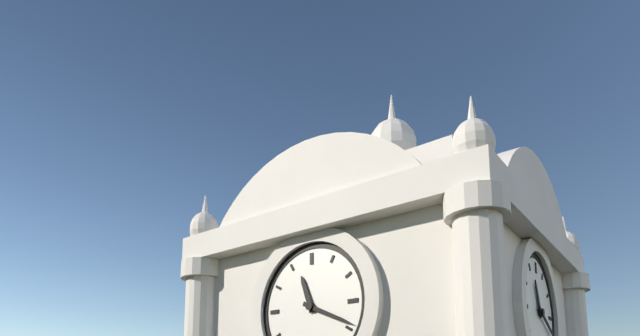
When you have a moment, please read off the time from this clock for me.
11:19
